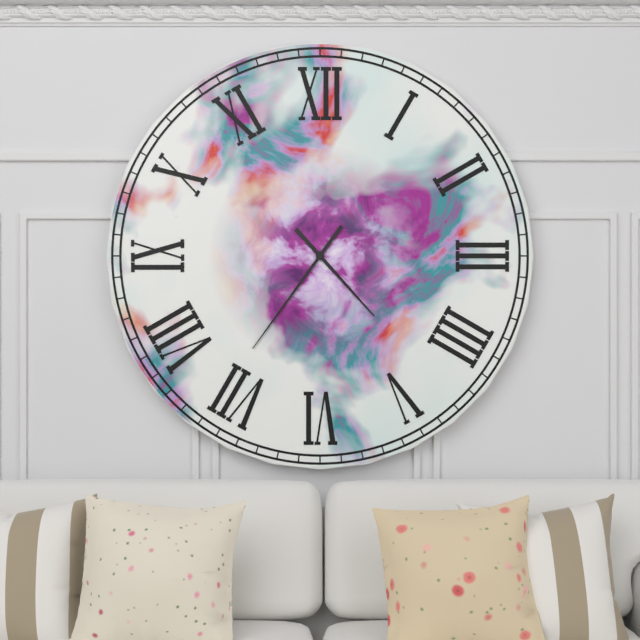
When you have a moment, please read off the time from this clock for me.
4:36
